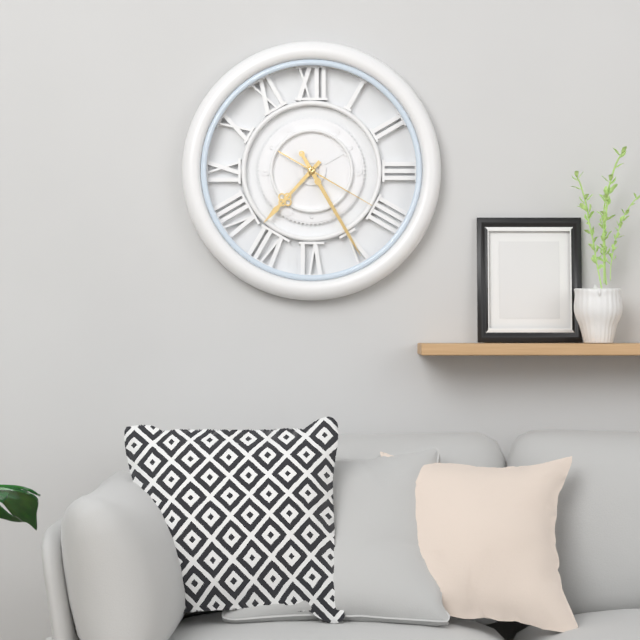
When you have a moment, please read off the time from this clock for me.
7:25:20
